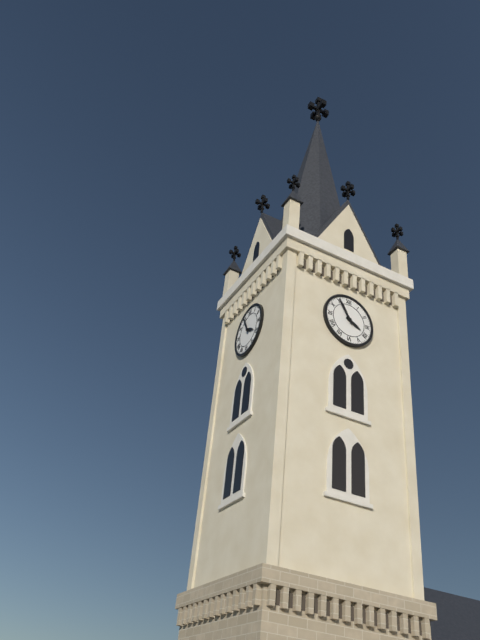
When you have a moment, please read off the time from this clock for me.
3:55
